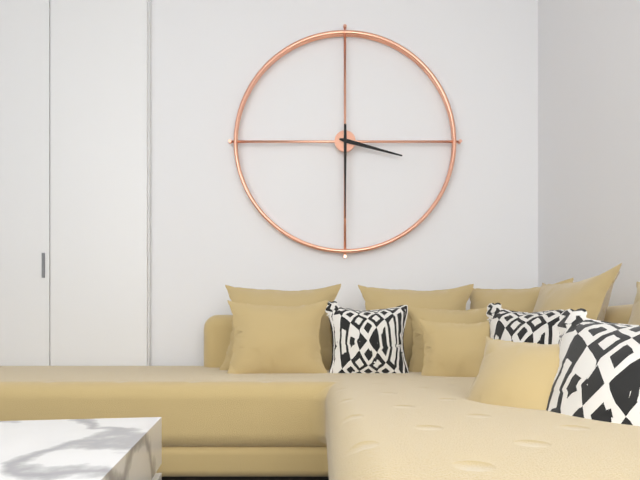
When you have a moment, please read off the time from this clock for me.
3:30
